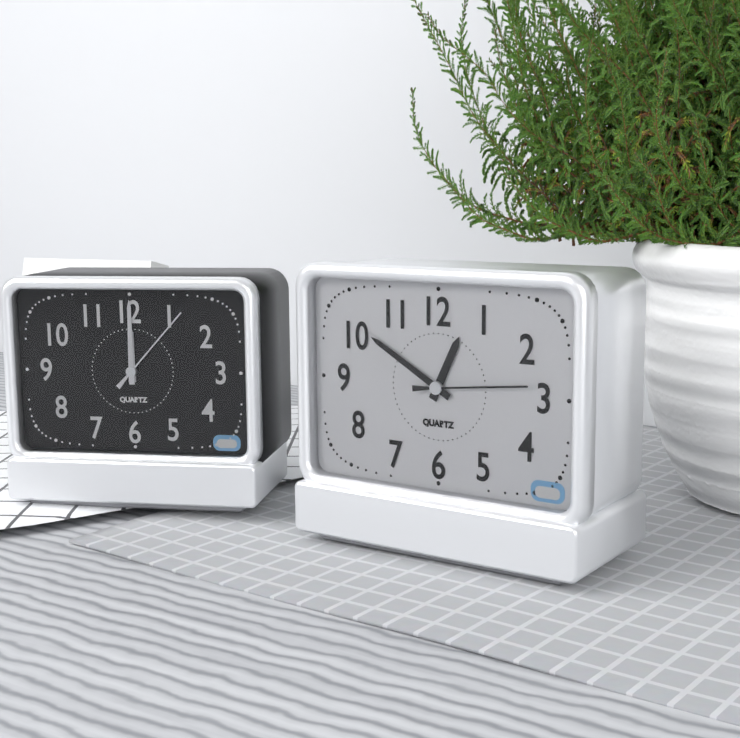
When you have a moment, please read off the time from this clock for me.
12:50:14
